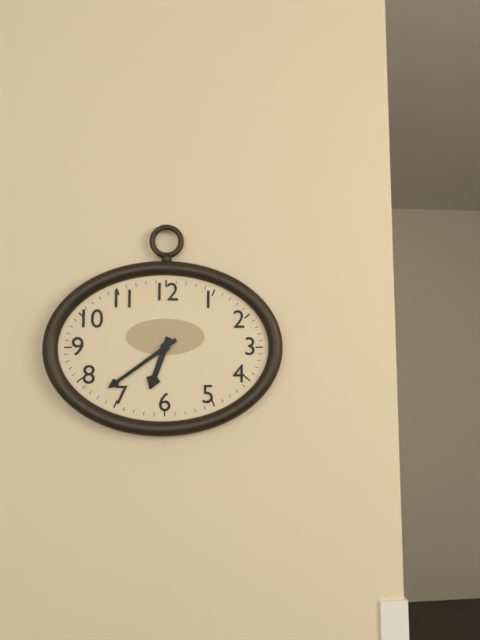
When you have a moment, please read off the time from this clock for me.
6:39
